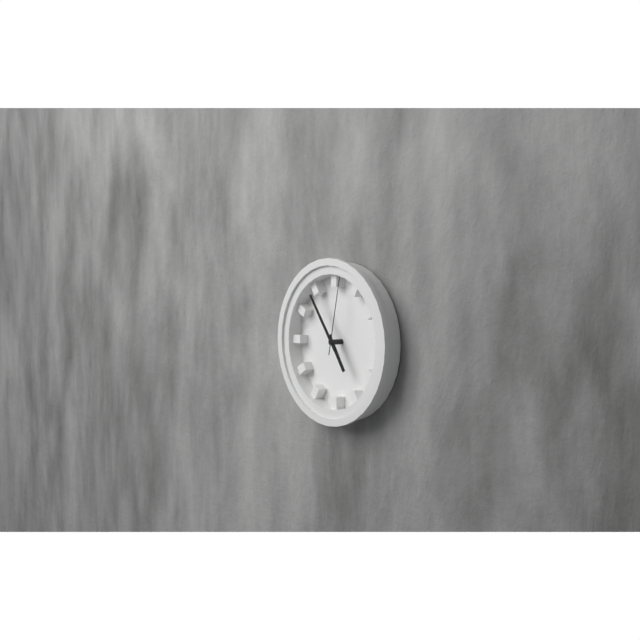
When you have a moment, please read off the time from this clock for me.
4:54:02
